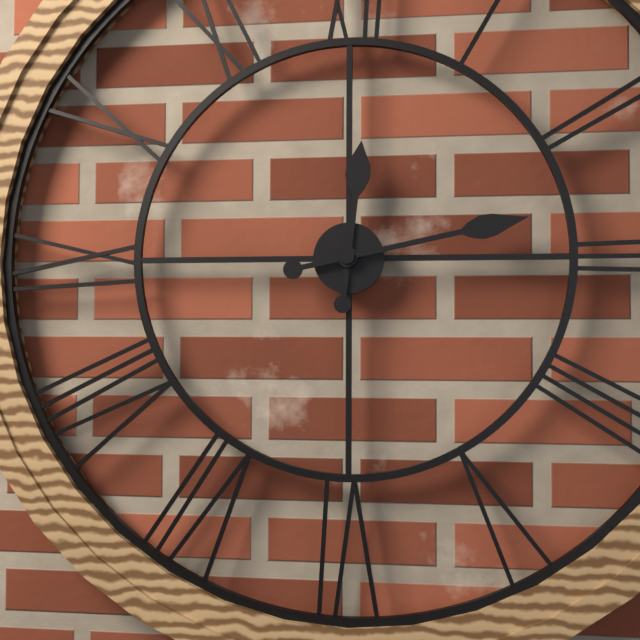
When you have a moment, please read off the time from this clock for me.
12:13
